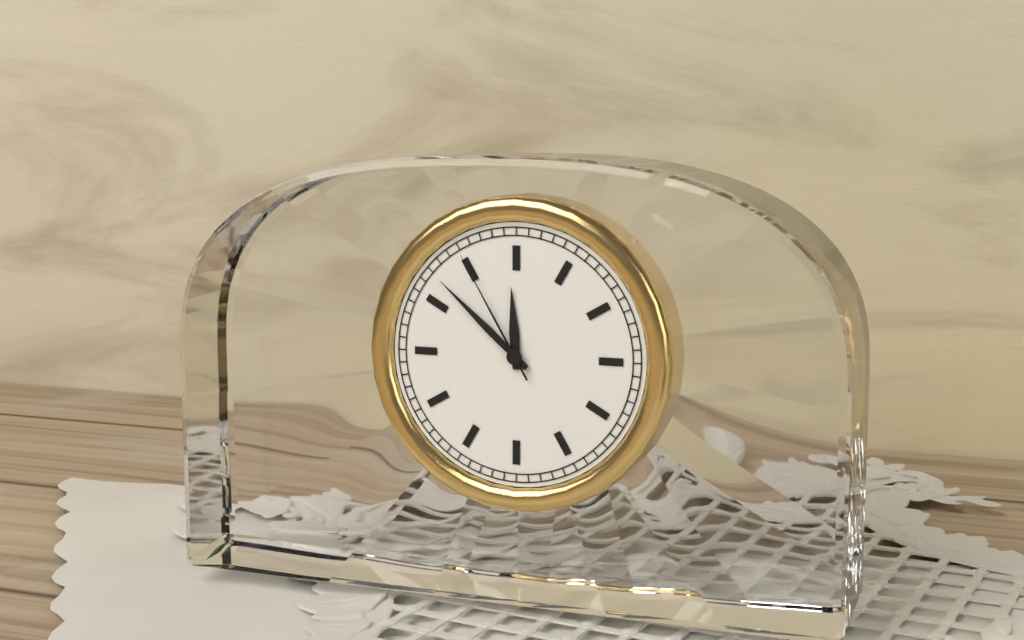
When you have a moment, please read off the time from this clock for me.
11:52:55
